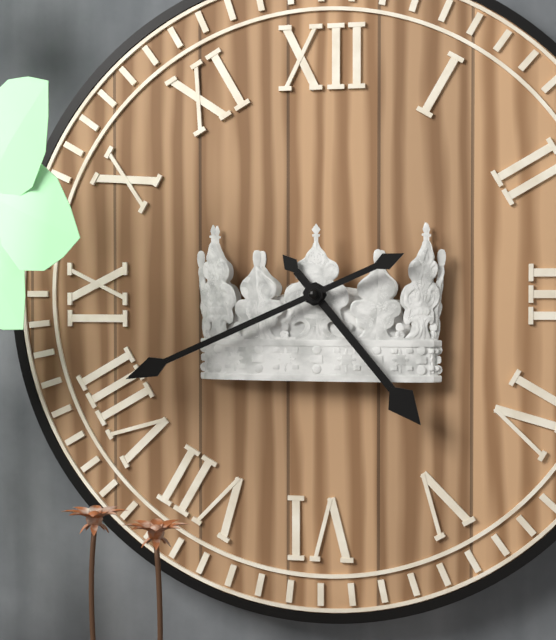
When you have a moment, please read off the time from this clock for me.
4:41
